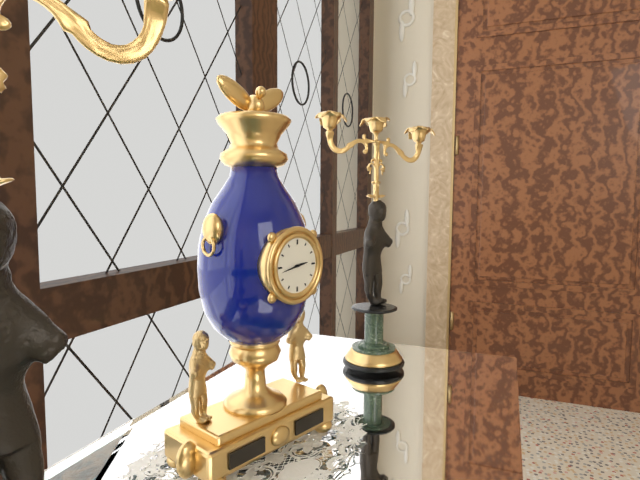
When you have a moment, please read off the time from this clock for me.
2:43
